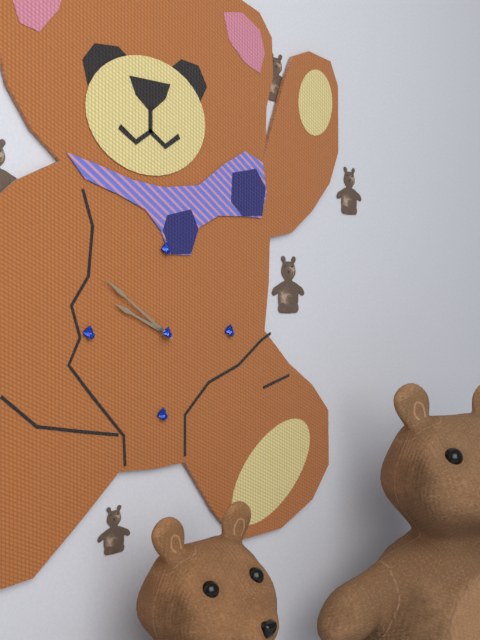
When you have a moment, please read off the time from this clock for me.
9:51
